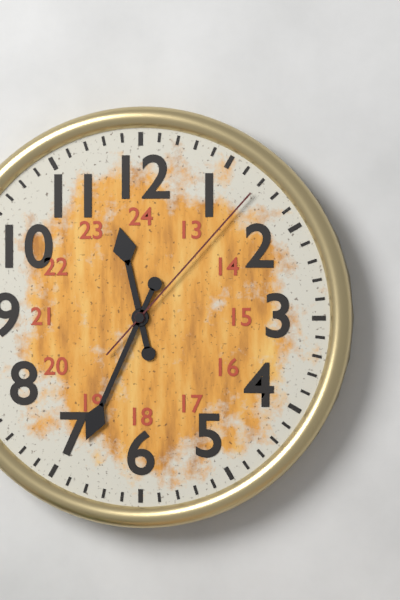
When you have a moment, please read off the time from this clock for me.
11:34:07
